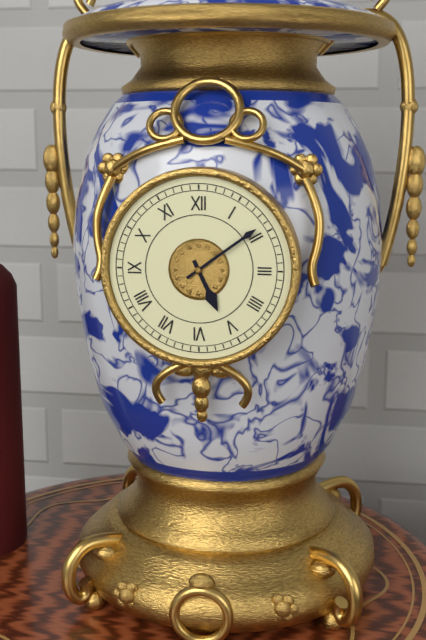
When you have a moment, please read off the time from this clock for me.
5:09
